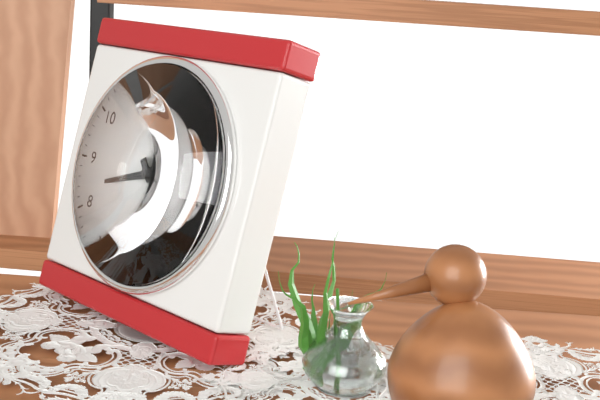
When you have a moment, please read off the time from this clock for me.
8:24:12
